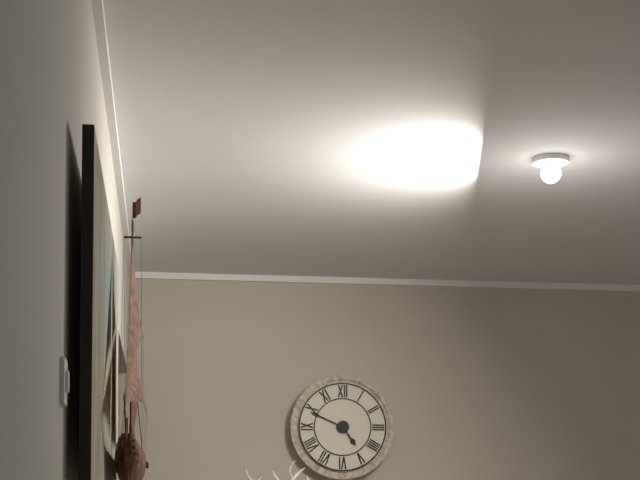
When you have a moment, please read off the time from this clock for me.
4:49
